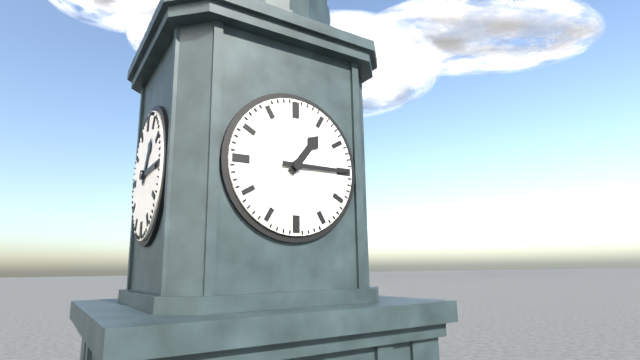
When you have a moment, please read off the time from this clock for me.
1:15
